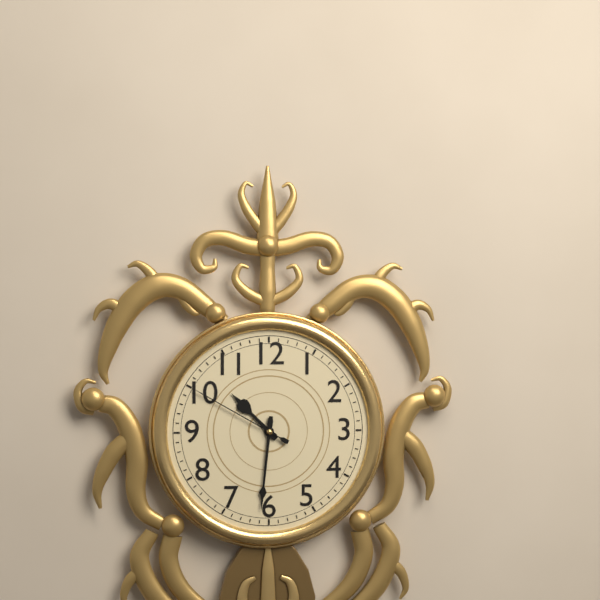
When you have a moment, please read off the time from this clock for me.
10:31:50
